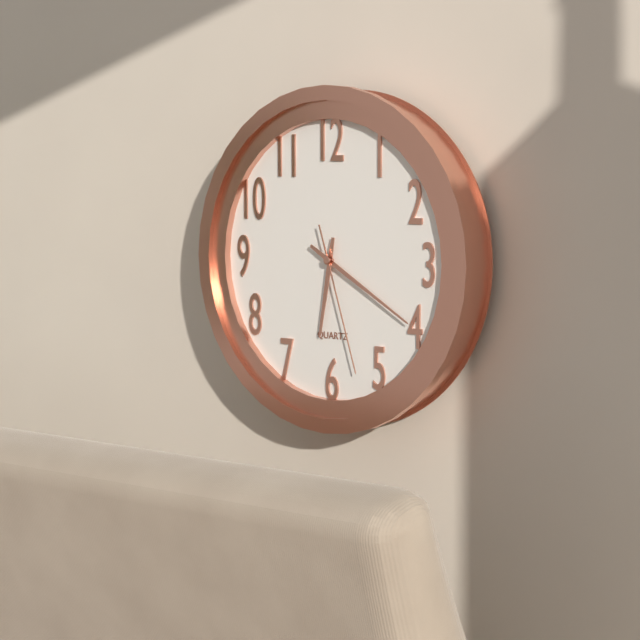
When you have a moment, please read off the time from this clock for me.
6:20:27
